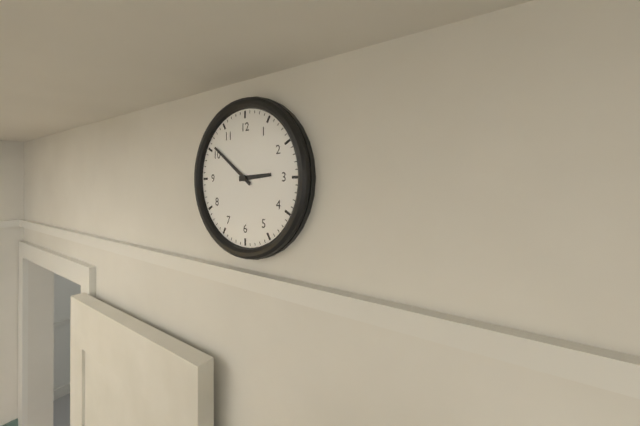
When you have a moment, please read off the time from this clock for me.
2:51
